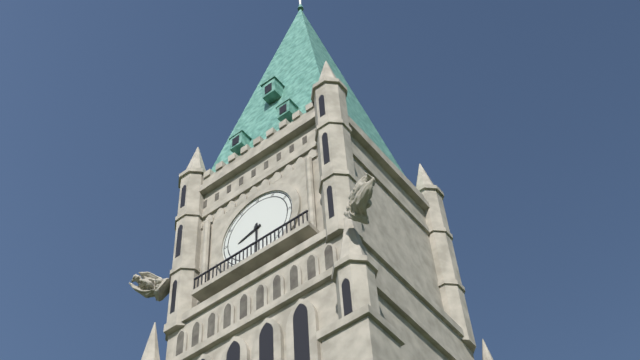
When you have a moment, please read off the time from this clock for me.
8:30
